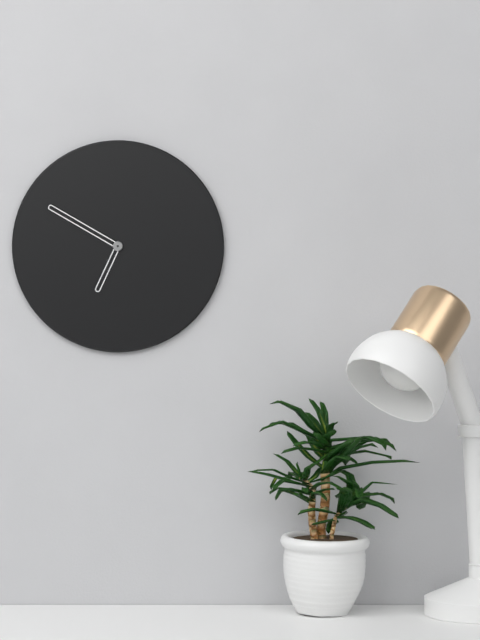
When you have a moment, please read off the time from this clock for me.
6:50
